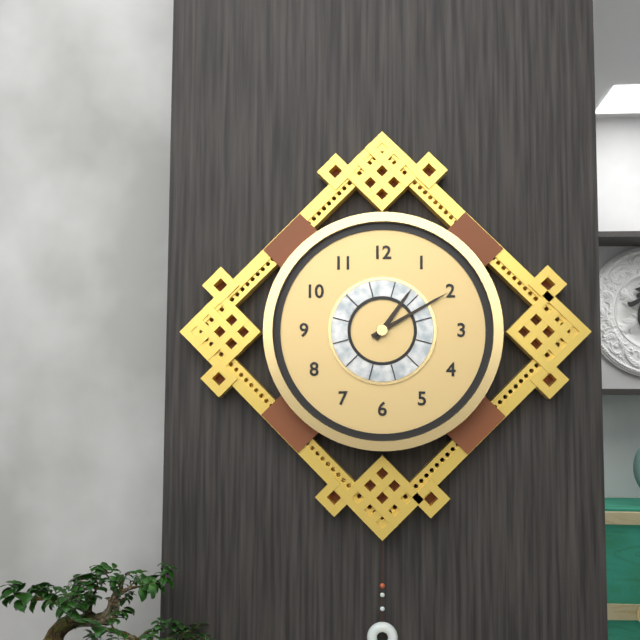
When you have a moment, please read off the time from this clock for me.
1:10
